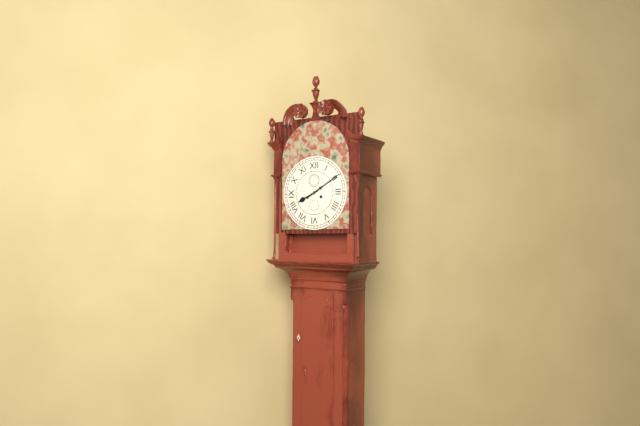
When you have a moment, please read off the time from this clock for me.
8:10
